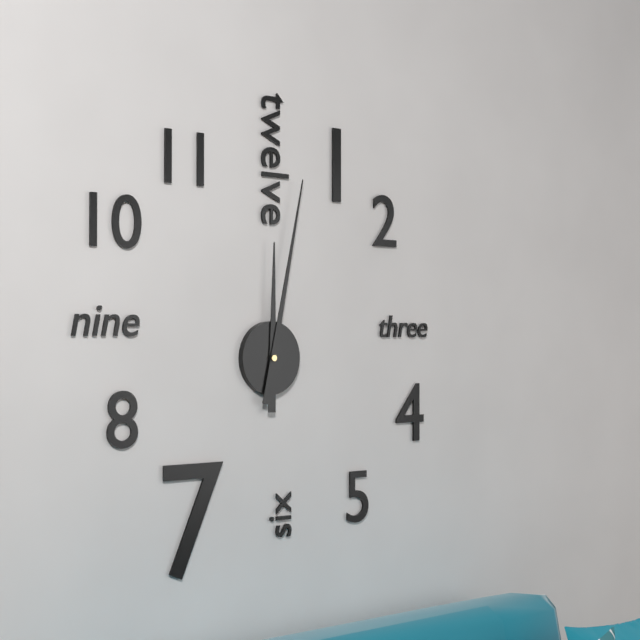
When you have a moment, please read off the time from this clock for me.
12:02
